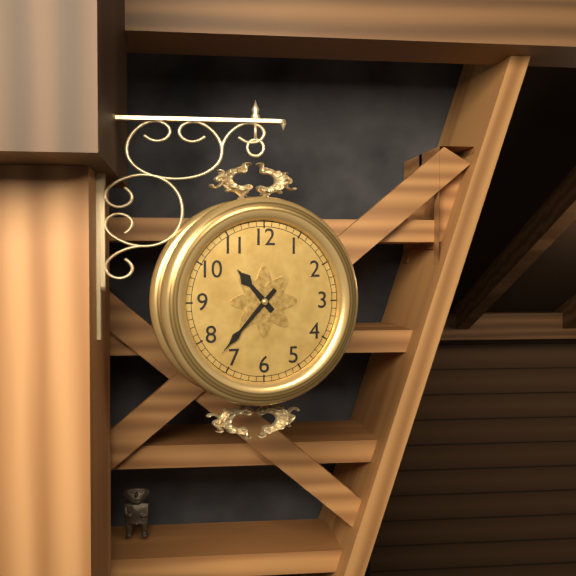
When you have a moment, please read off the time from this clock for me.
10:37
